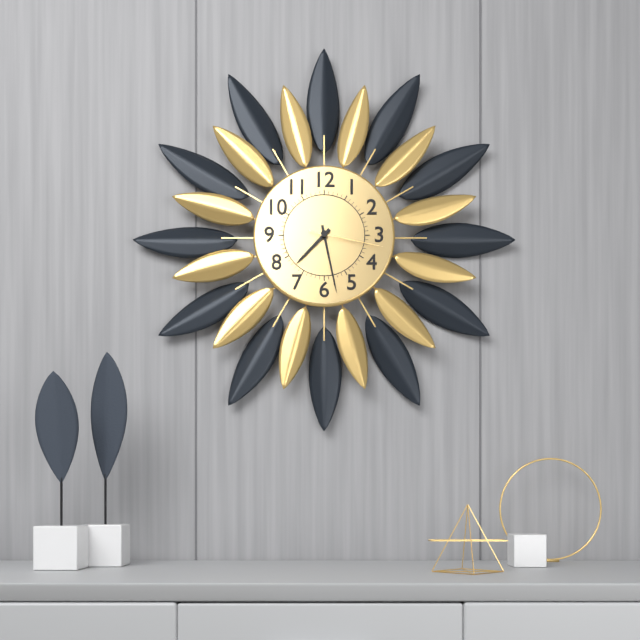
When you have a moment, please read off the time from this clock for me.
7:28:17
